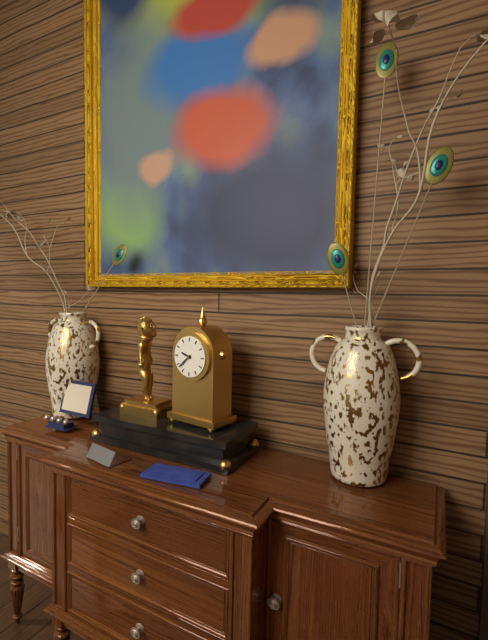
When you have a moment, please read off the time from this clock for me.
9:38
